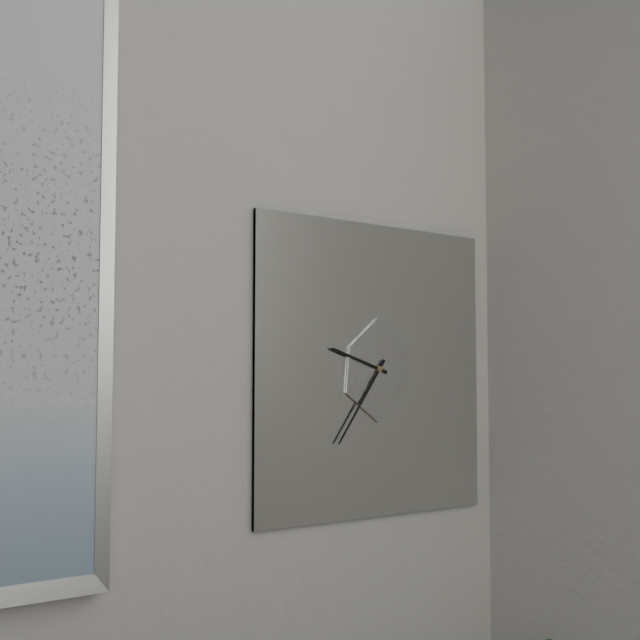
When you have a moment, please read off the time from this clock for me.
9:36
